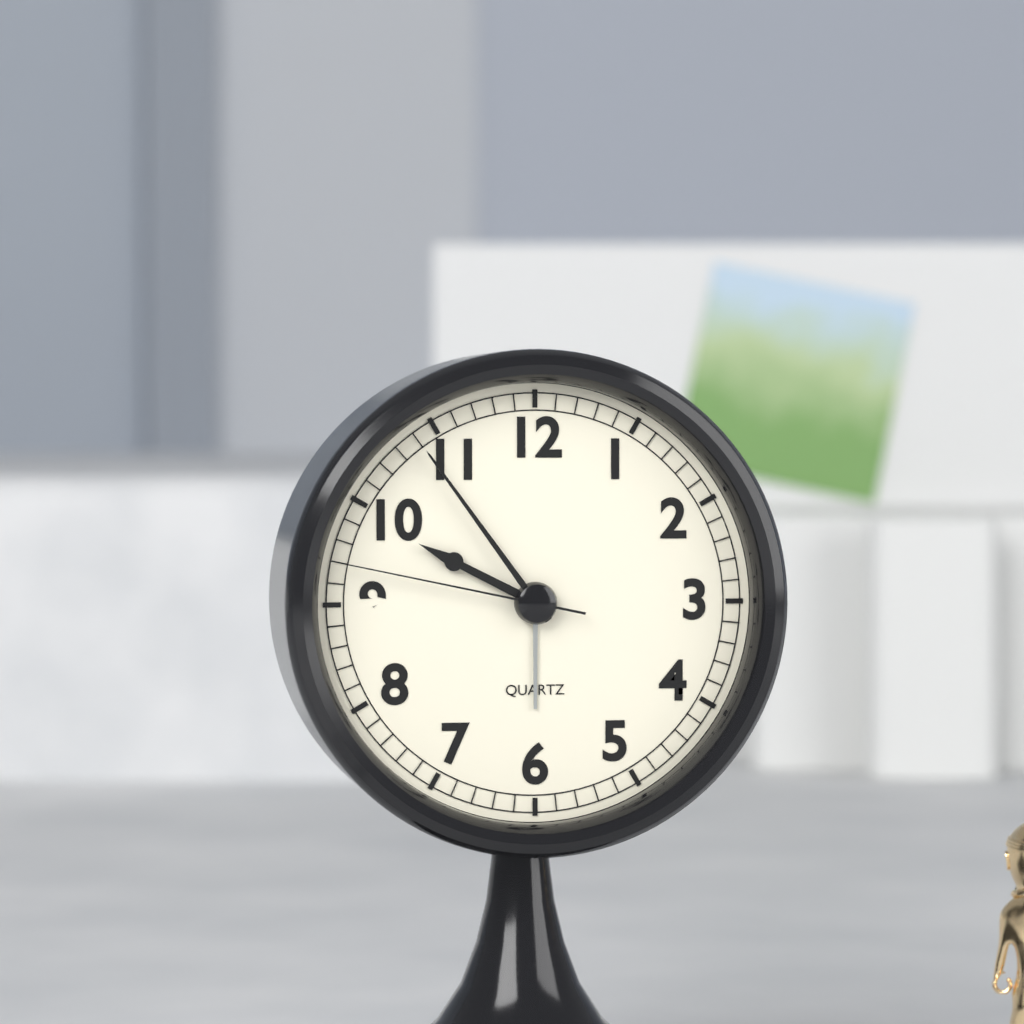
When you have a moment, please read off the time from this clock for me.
9:54:47
